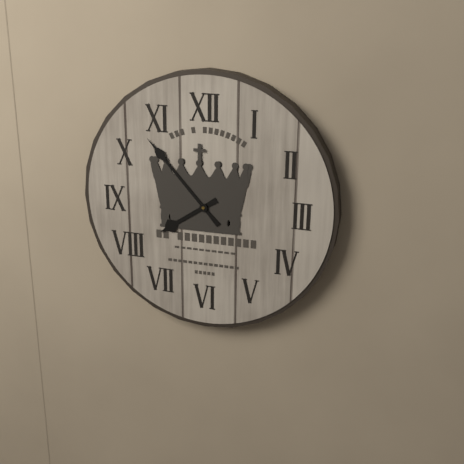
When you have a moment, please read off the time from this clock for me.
7:53
